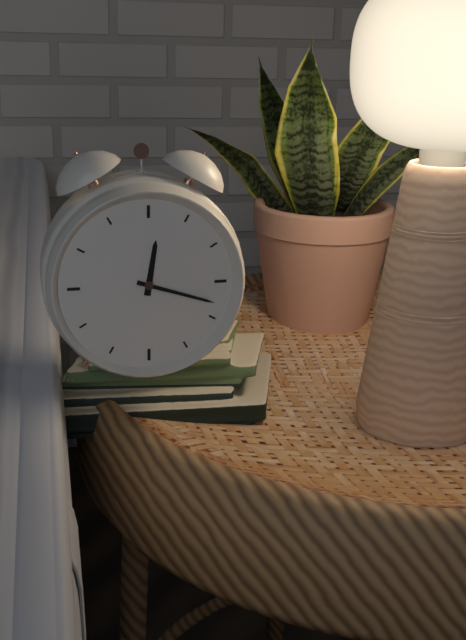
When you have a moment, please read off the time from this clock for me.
12:18
